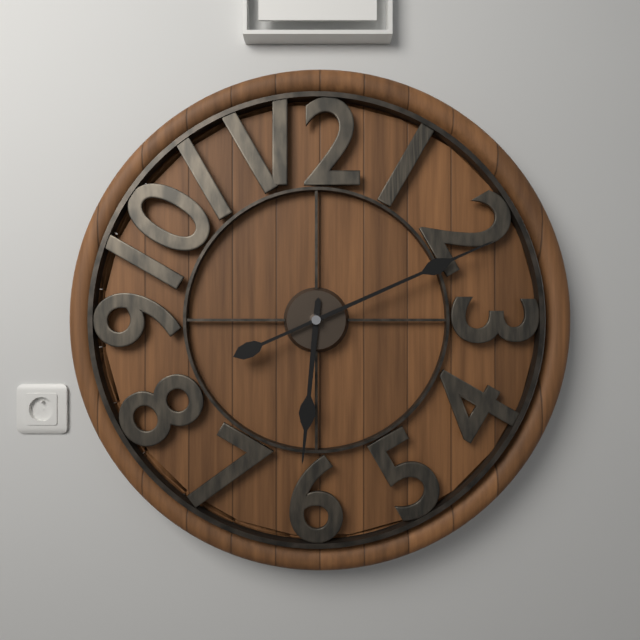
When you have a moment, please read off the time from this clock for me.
6:11
